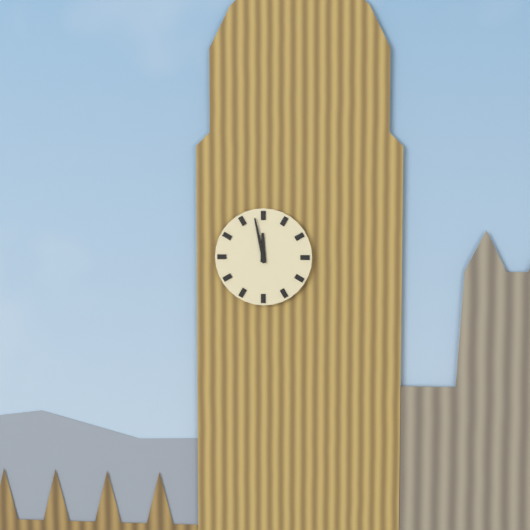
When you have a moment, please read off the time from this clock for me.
11:58
